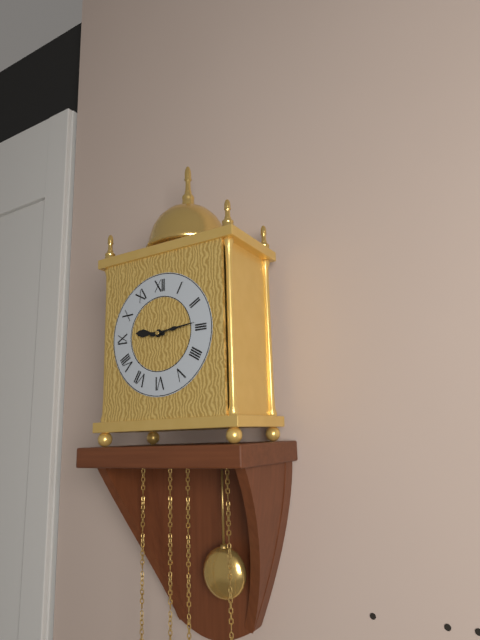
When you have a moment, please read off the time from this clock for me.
9:14
